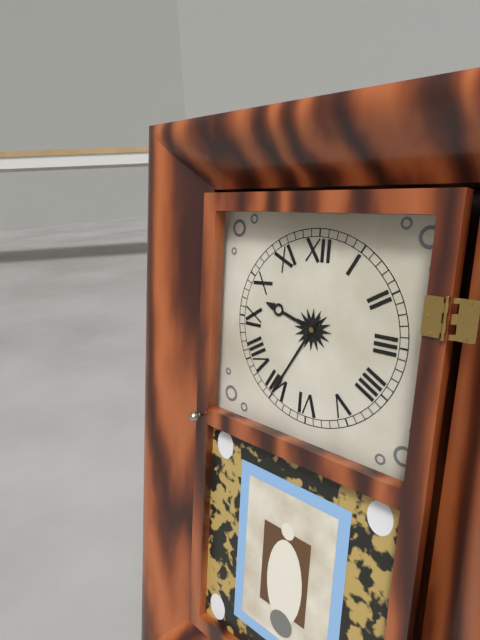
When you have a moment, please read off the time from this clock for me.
9:35
